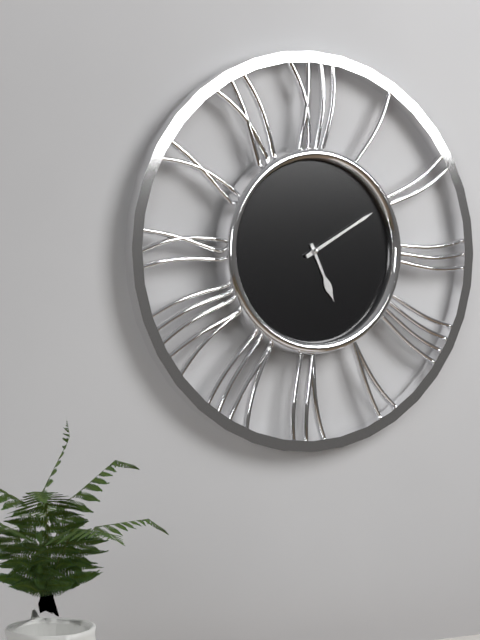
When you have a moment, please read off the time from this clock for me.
5:10
